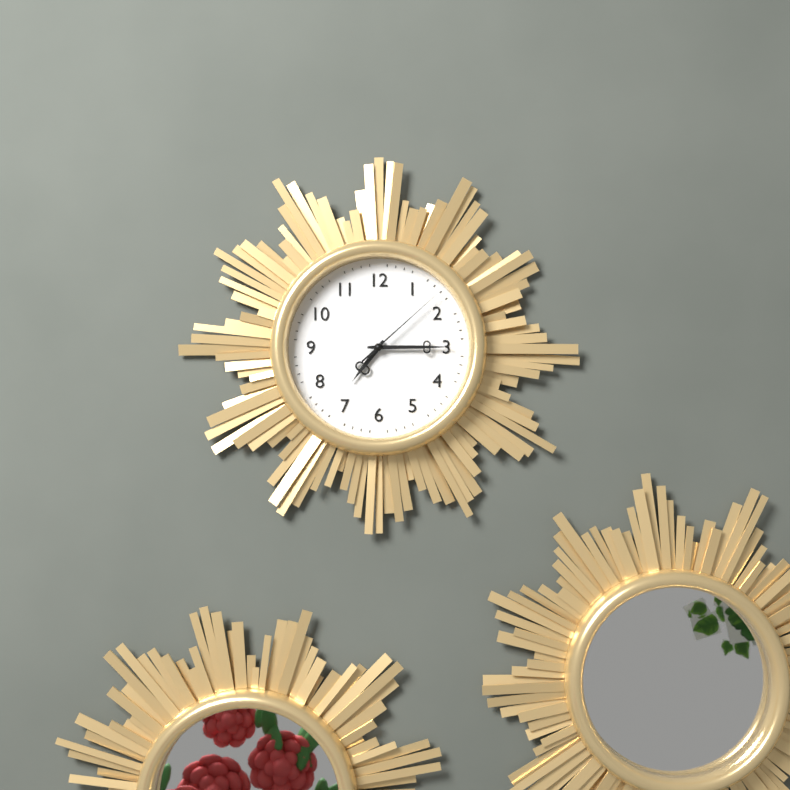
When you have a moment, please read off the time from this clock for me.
7:15:08
